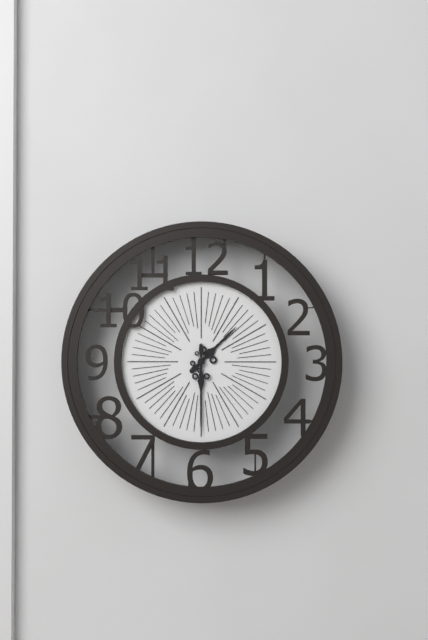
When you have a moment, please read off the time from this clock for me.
1:30
